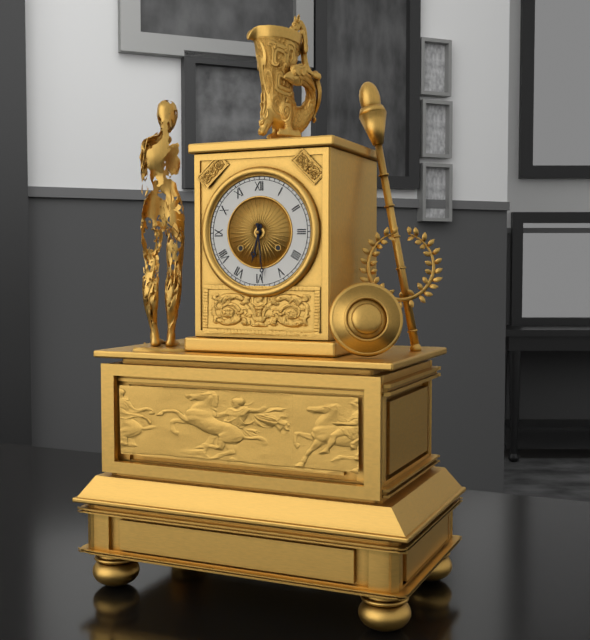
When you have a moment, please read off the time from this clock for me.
6:29
